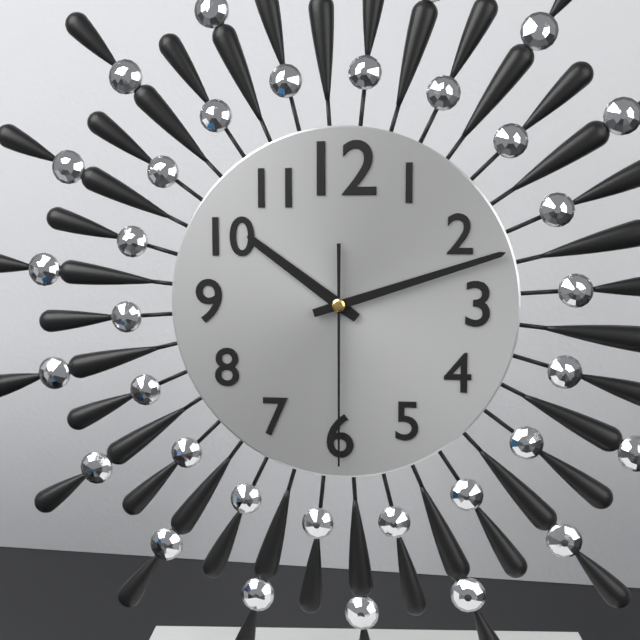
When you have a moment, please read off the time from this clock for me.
10:12:30
